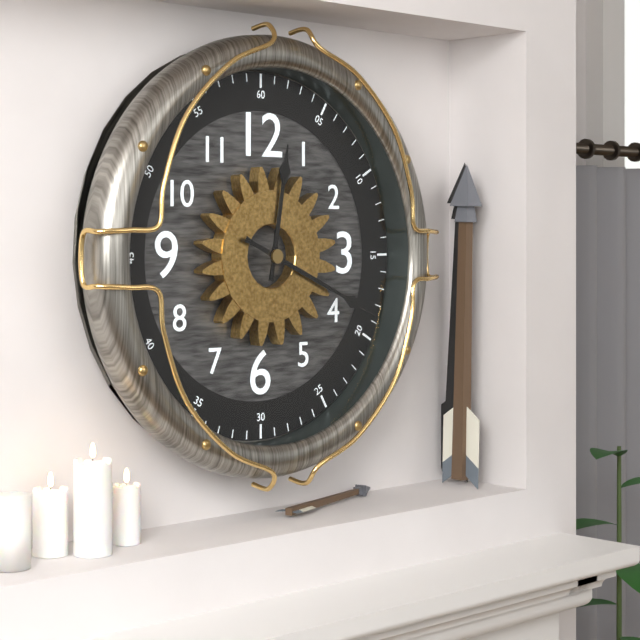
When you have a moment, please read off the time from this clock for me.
12:19
